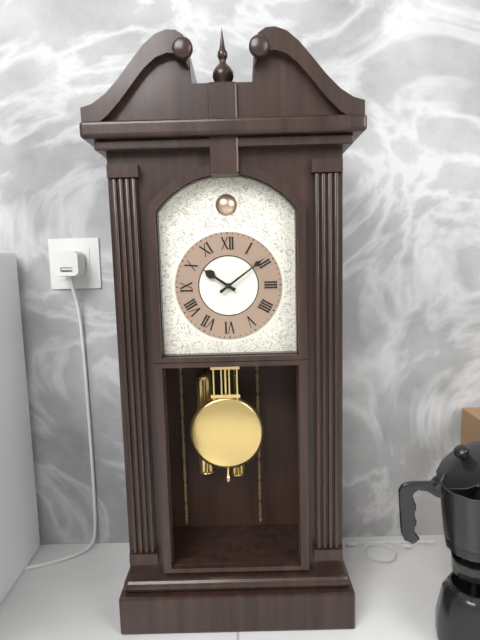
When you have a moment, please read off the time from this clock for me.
10:09
